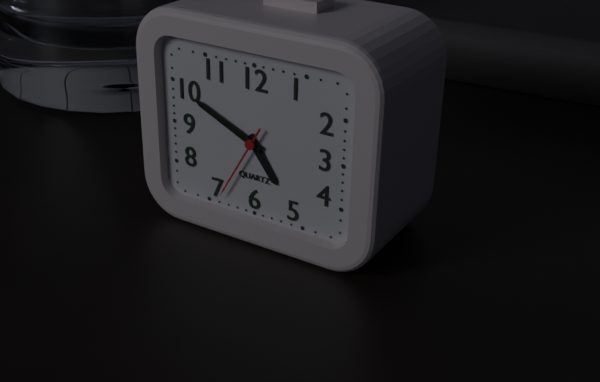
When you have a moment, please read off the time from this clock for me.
4:49:35
